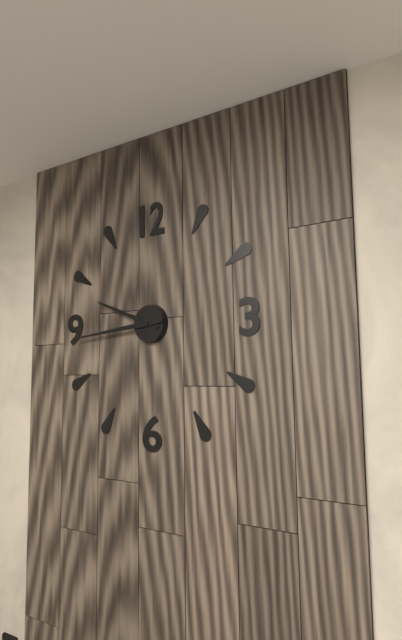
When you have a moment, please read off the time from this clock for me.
9:44
